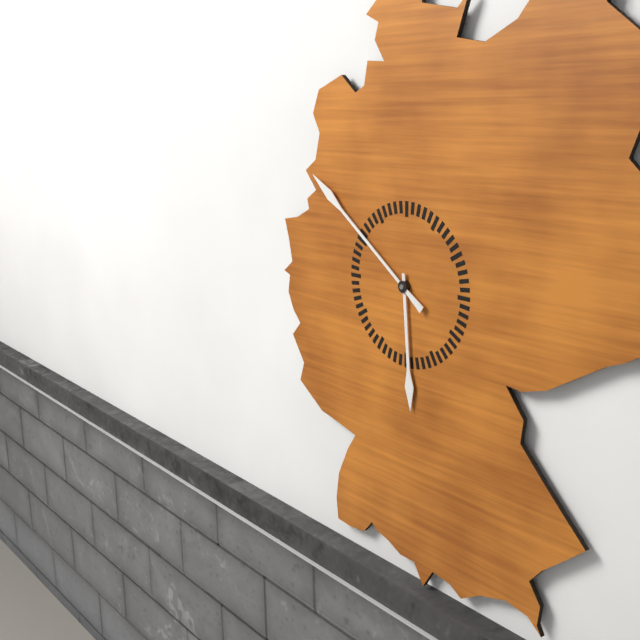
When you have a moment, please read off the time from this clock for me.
5:51
